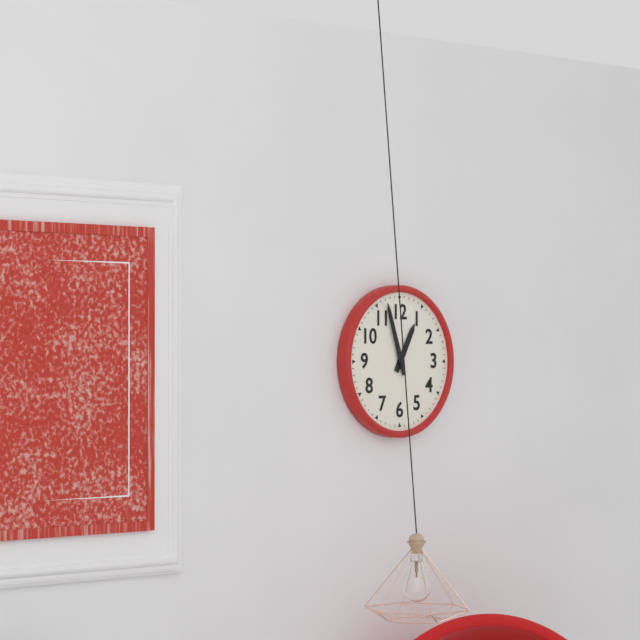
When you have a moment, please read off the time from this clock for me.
12:57
